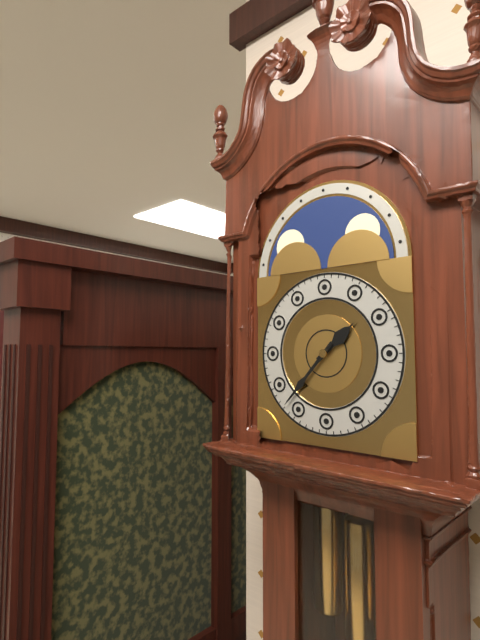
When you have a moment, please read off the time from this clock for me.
1:37
